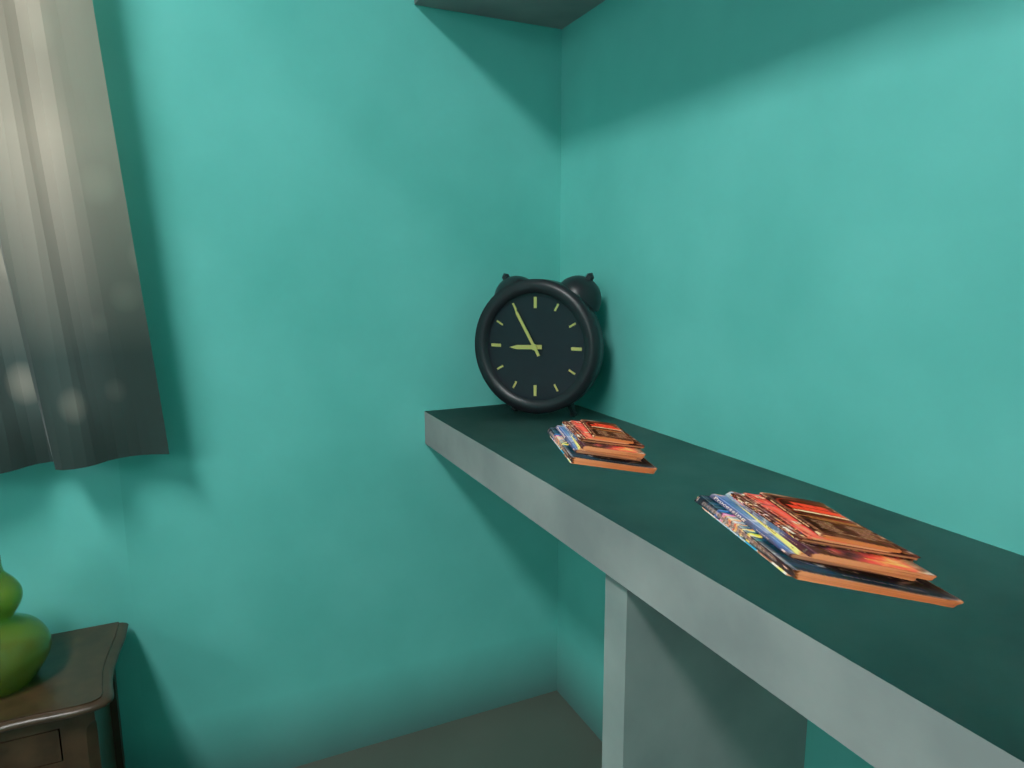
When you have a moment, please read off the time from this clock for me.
8:55
